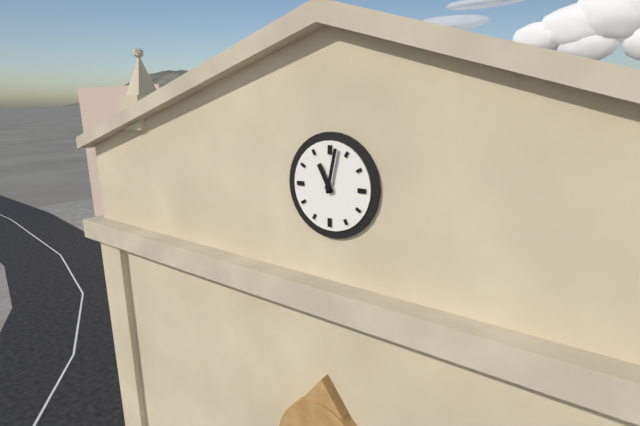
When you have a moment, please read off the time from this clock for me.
11:02
